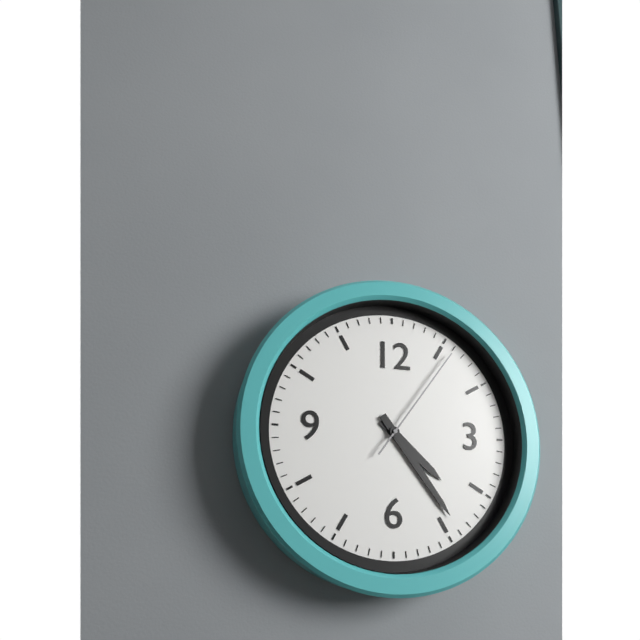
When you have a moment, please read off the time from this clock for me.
4:24:06
